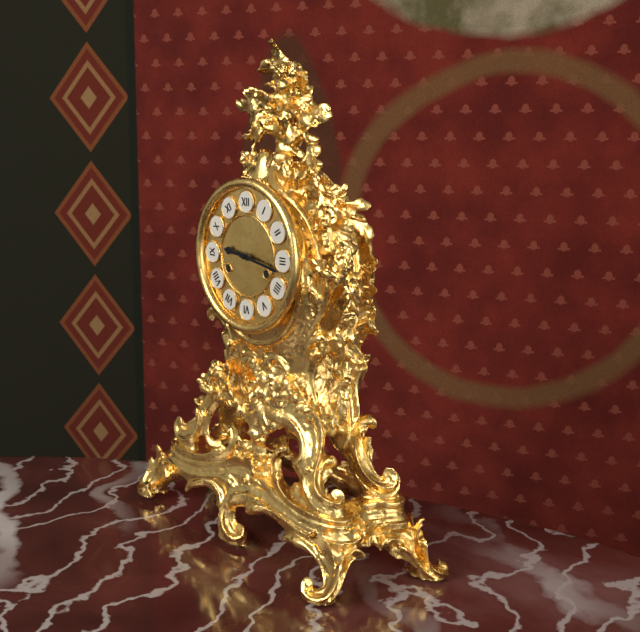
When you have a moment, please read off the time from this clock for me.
9:17
